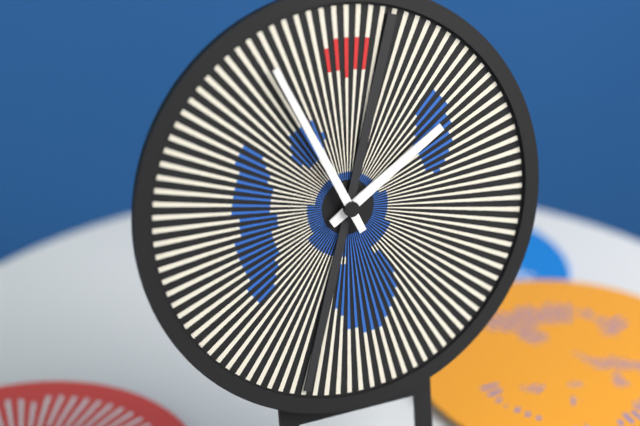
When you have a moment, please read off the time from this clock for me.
1:56
